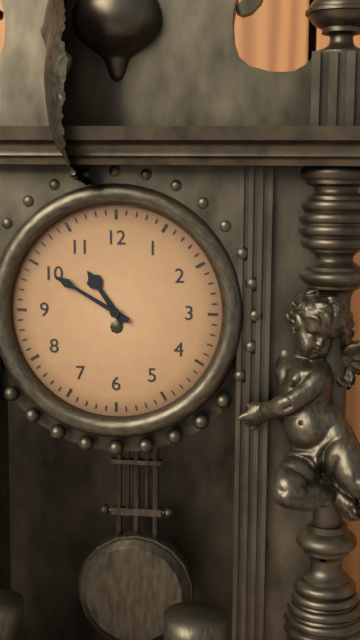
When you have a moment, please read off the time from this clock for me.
10:50
